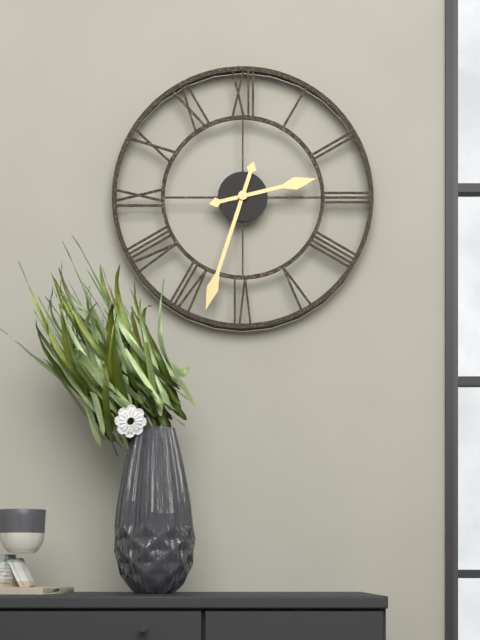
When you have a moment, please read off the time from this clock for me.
2:33
